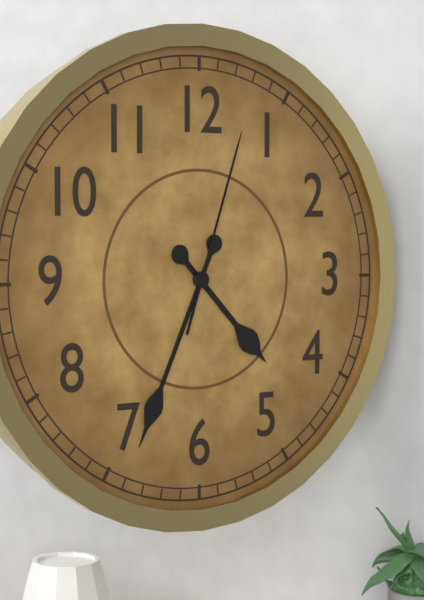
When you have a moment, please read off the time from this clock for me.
4:34:03
